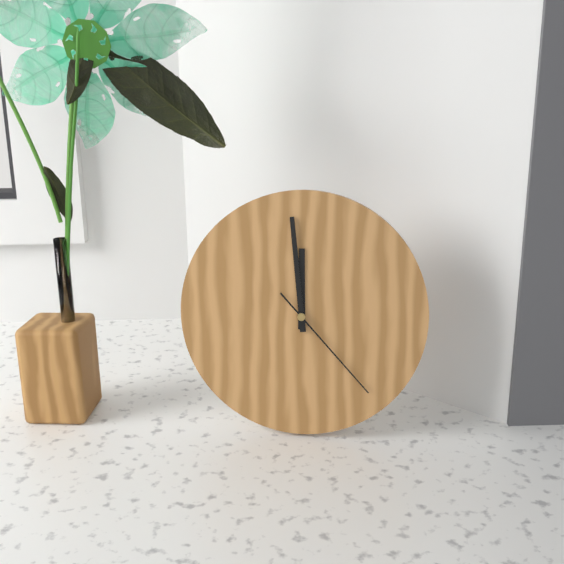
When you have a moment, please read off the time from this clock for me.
11:59:23
